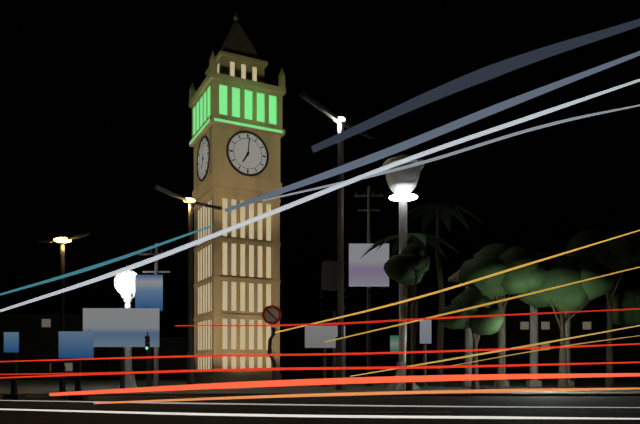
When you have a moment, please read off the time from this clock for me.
7:01
